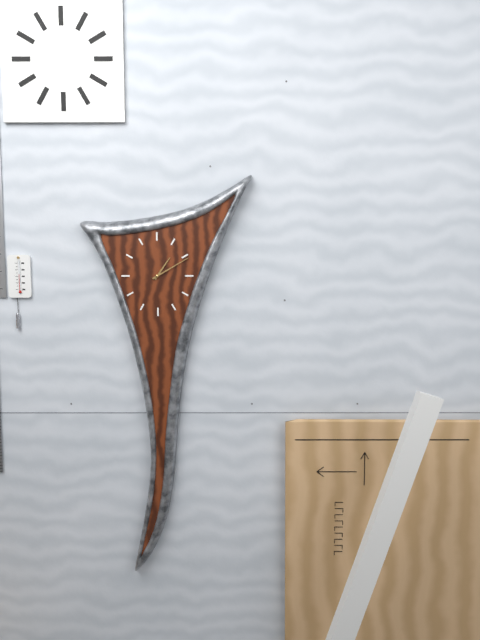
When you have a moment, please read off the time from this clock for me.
1:10
